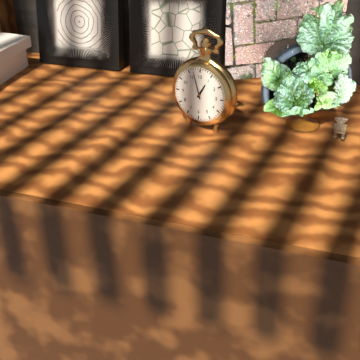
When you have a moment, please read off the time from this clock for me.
12:57
